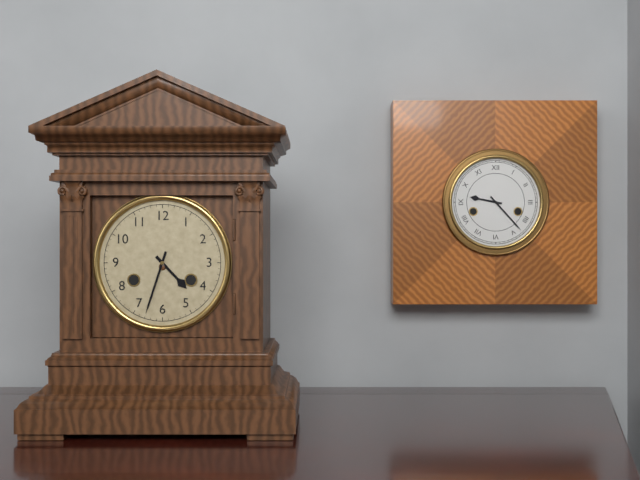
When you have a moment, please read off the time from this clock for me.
4:33
